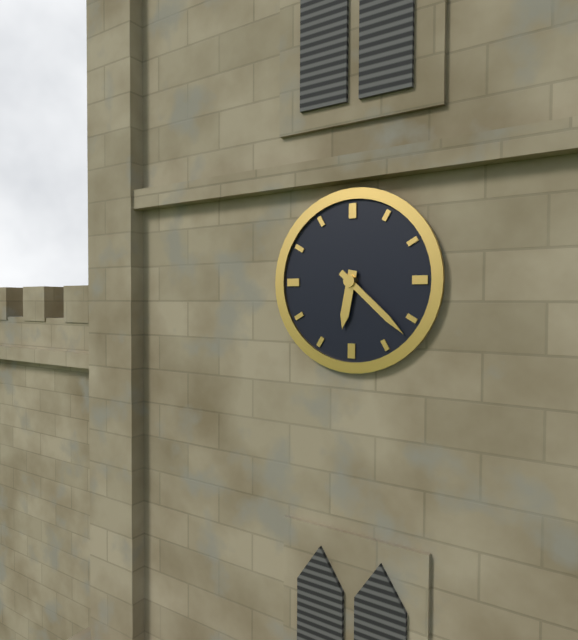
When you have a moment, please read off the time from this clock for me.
6:22
